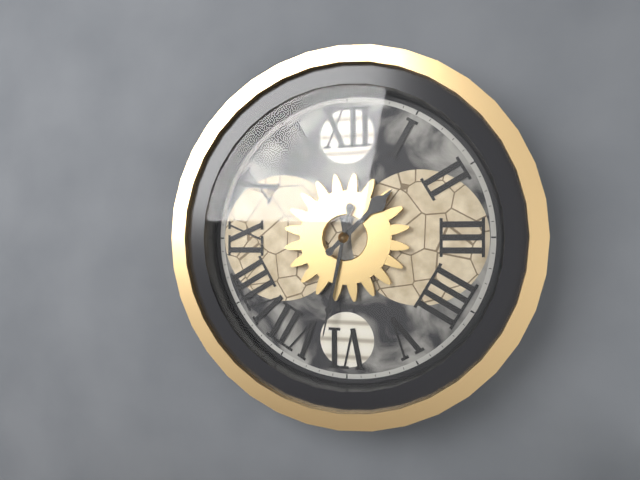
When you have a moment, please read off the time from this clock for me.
1:32
